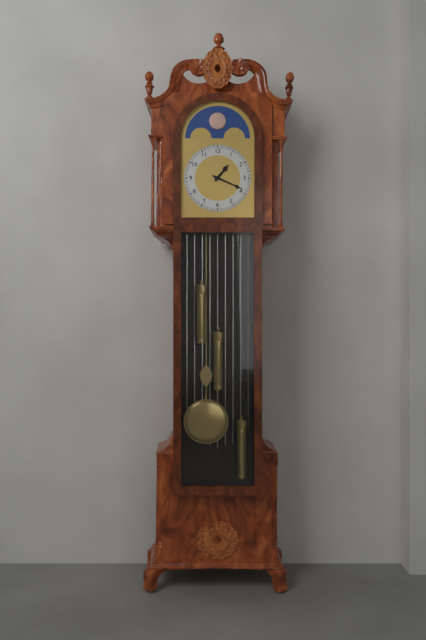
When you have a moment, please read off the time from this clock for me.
1:19
